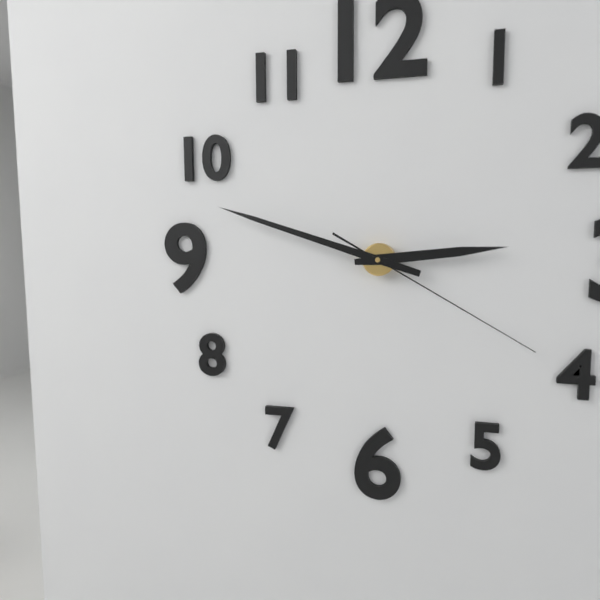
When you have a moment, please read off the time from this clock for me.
2:48:20
